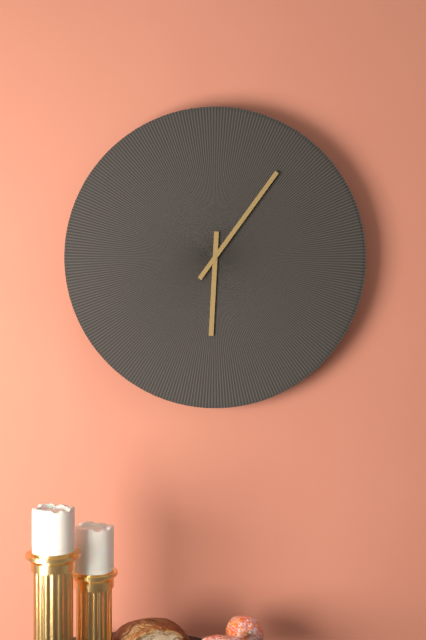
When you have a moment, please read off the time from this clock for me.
6:06
